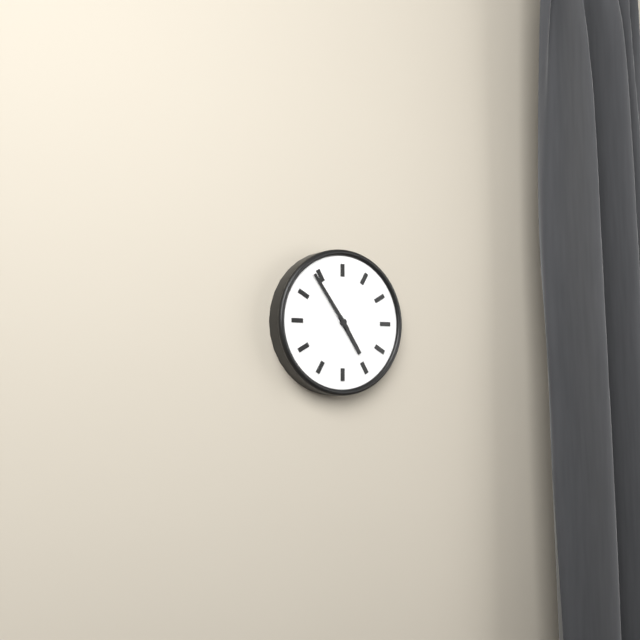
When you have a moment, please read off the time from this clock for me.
4:54
